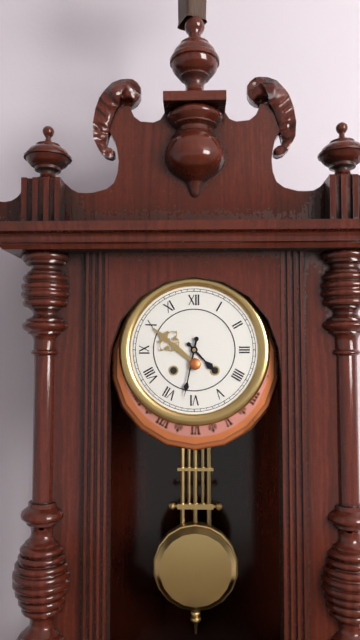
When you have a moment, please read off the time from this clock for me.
4:32
